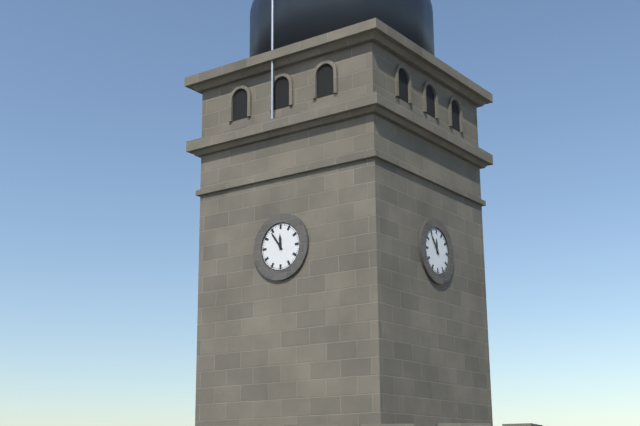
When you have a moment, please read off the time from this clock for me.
11:54
